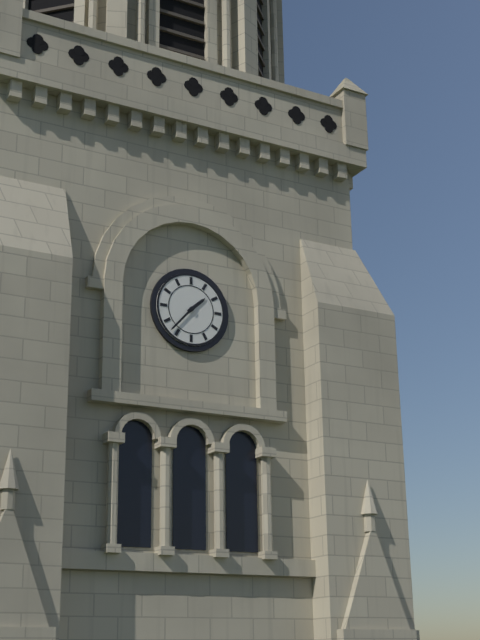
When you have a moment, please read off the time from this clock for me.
1:37
